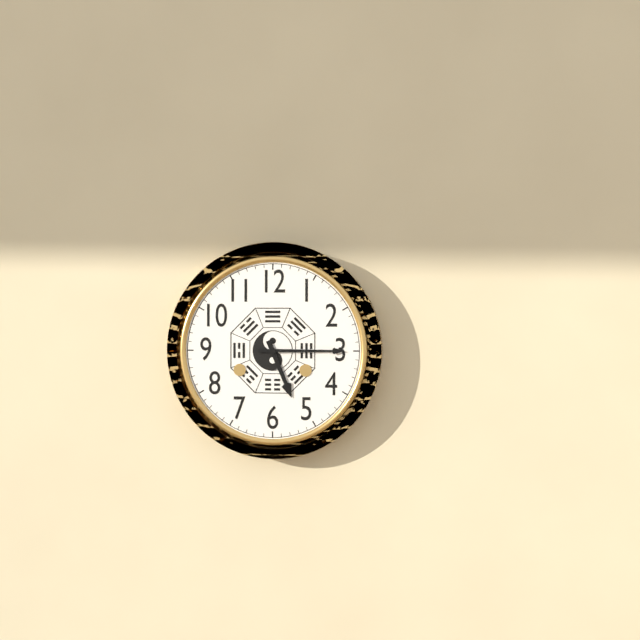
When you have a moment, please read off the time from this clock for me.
5:15
